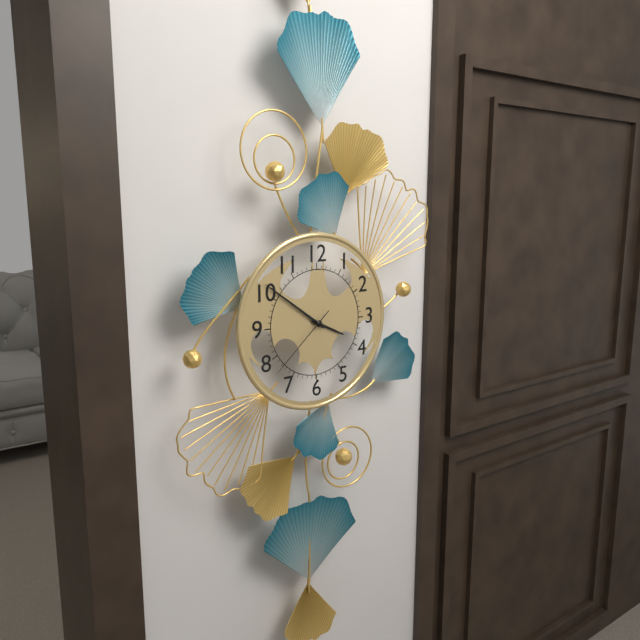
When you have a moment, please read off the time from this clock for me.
3:51:38
